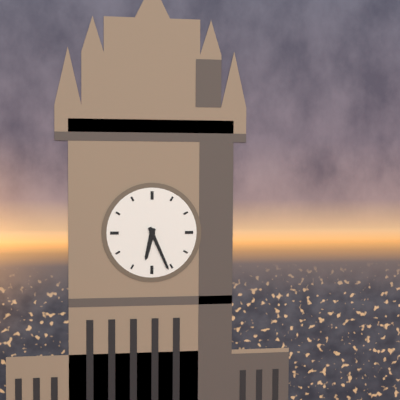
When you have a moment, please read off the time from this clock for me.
6:26
